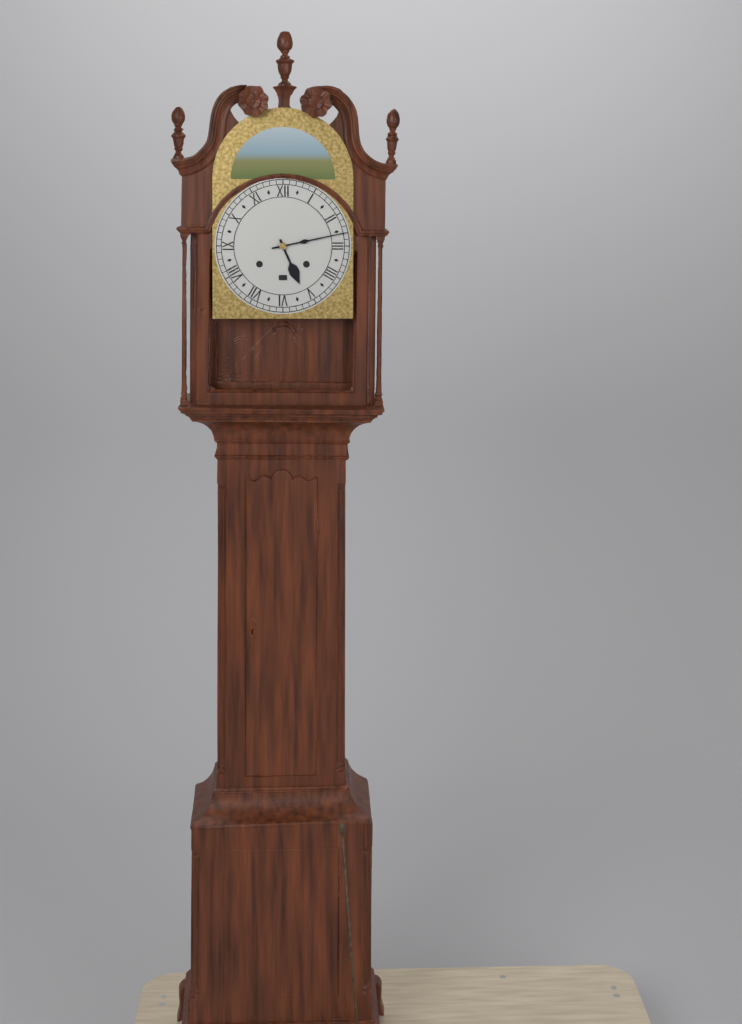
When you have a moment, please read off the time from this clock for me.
5:13
